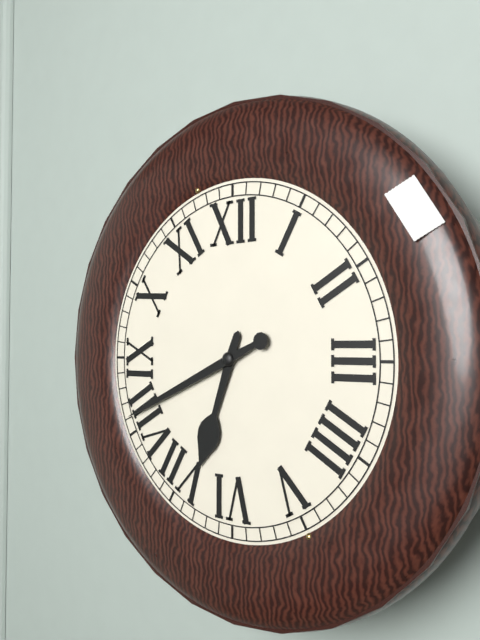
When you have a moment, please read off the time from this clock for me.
6:41
